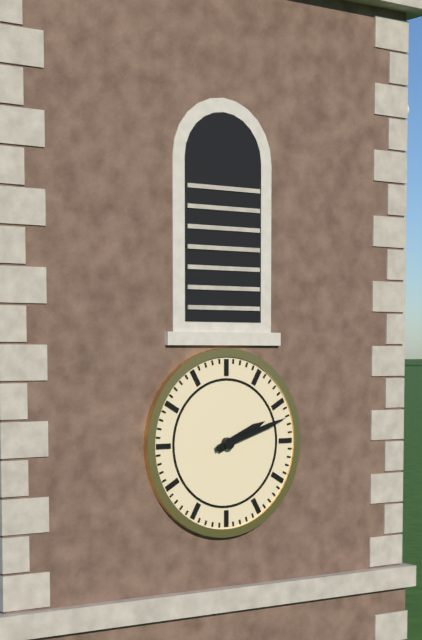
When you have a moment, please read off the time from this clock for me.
2:12
